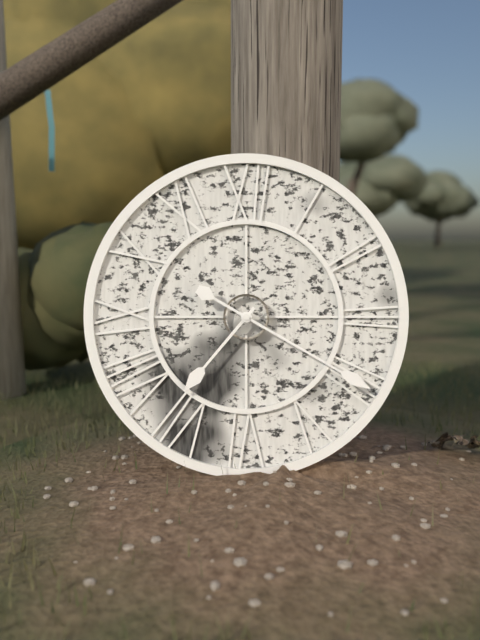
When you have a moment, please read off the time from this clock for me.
7:20
